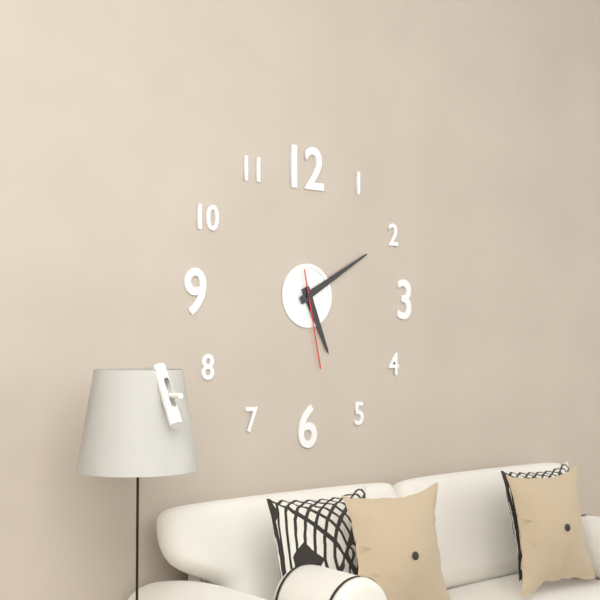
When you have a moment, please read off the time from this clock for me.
5:10:28
